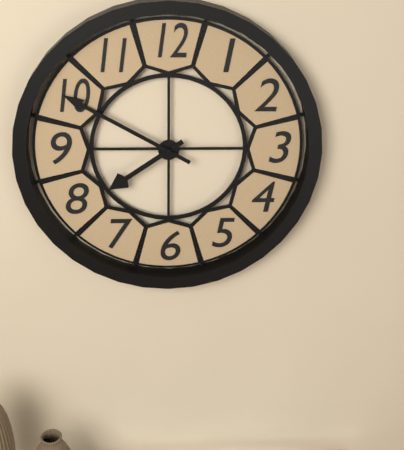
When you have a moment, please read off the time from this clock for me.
7:50
